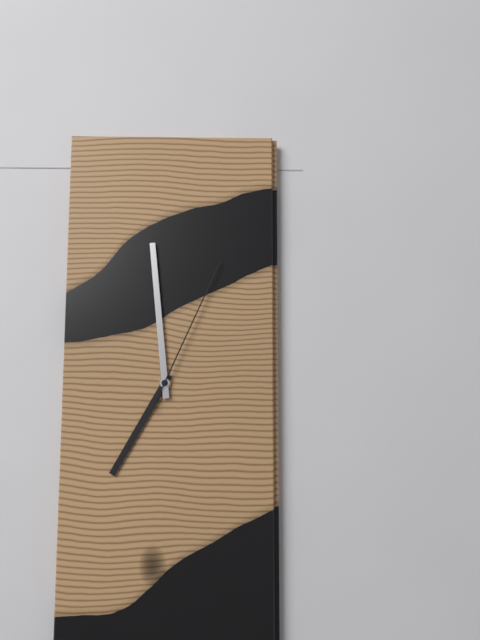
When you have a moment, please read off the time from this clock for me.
6:59:04
